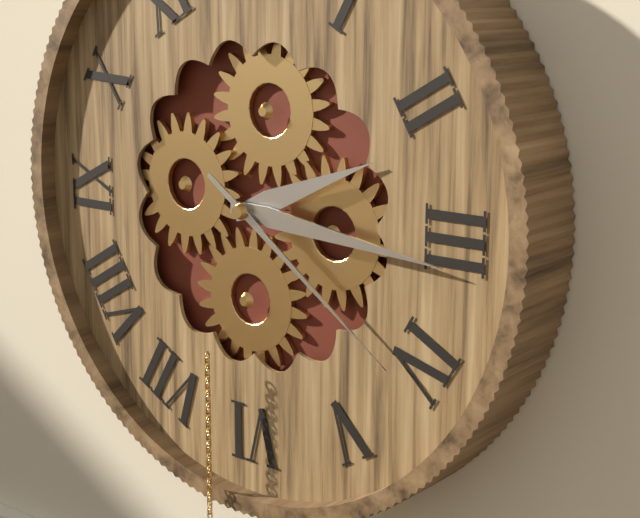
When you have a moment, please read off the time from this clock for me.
2:16:21
